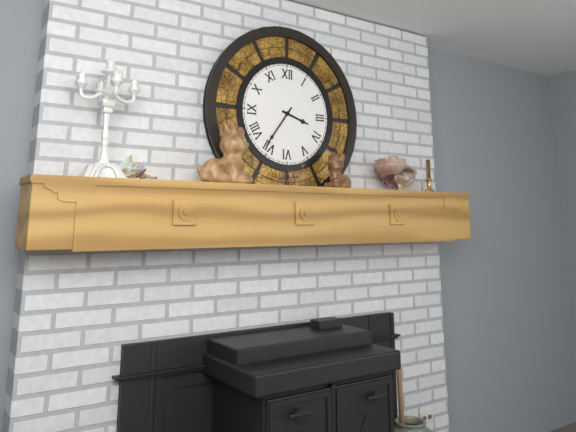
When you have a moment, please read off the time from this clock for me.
3:36
